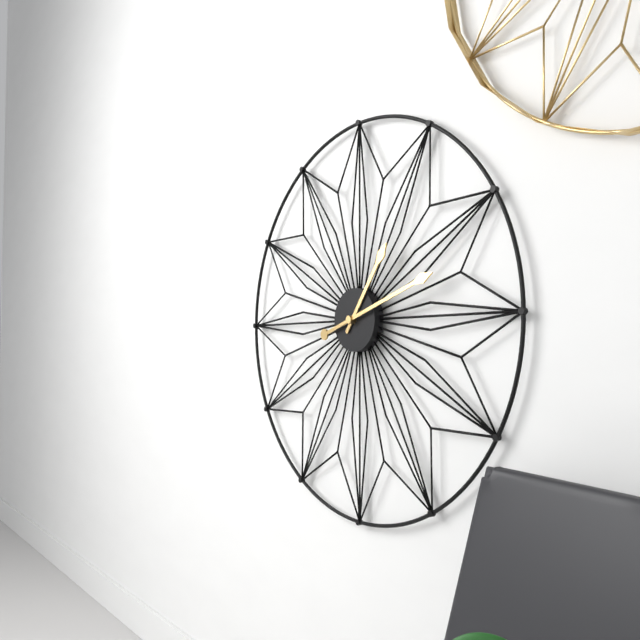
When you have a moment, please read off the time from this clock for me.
1:12
